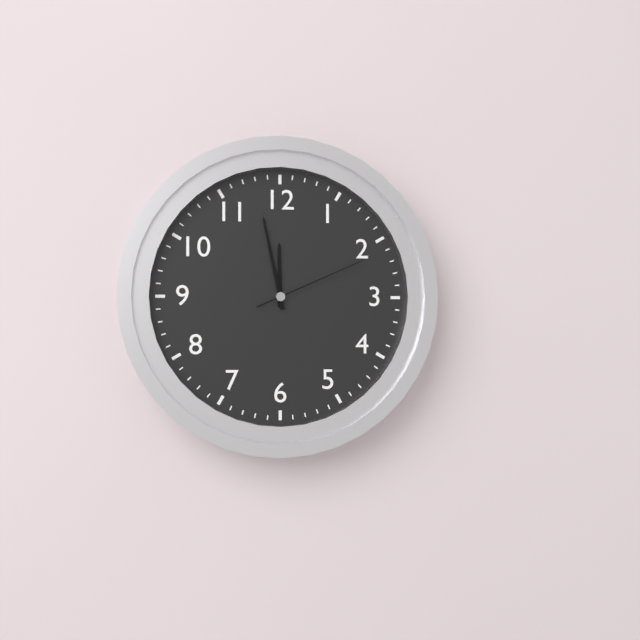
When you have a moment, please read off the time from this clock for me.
11:58:11
